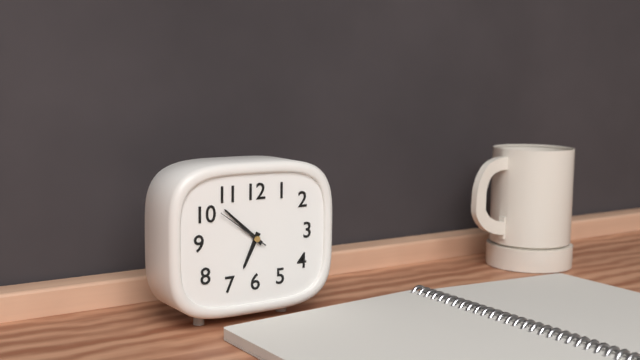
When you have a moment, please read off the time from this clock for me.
6:52:51
